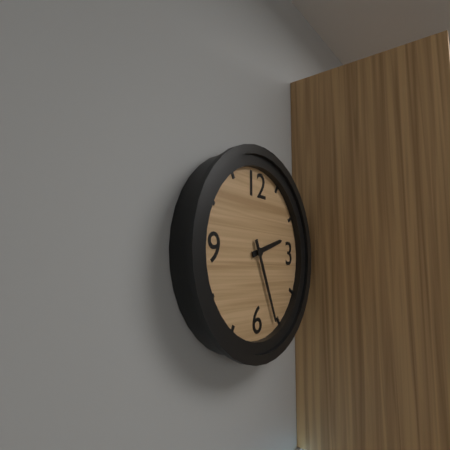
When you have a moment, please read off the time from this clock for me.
2:26
